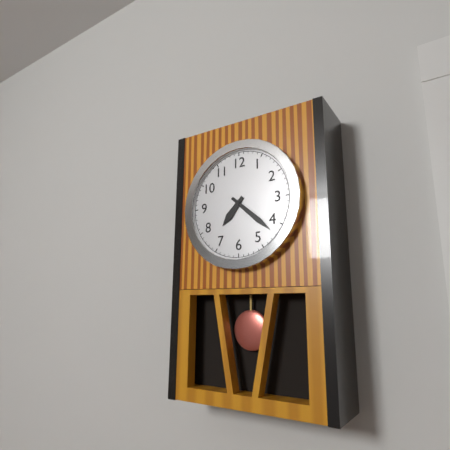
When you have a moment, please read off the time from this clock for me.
7:22
